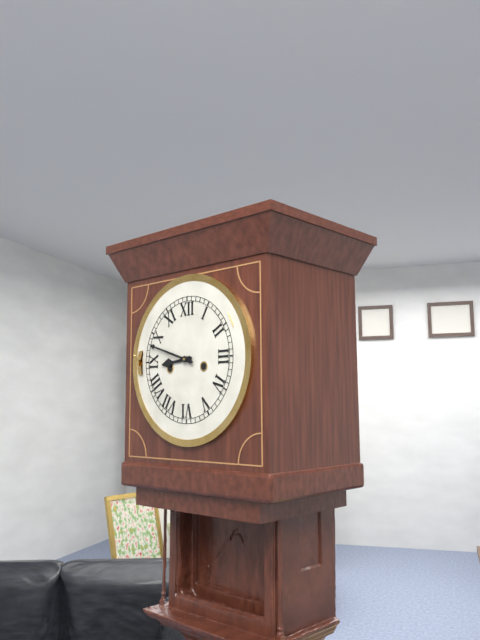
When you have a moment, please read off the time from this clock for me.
8:48
